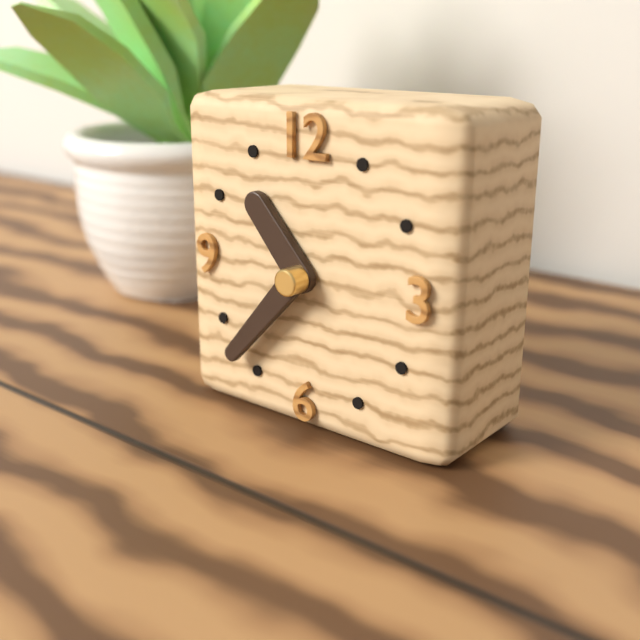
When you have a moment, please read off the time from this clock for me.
10:37
